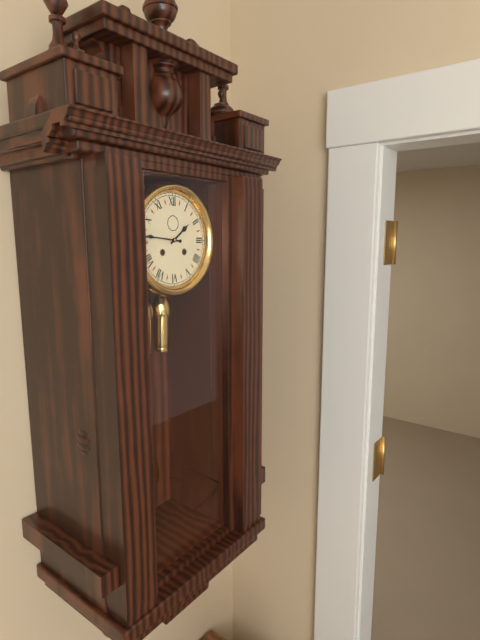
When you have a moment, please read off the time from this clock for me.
1:46
